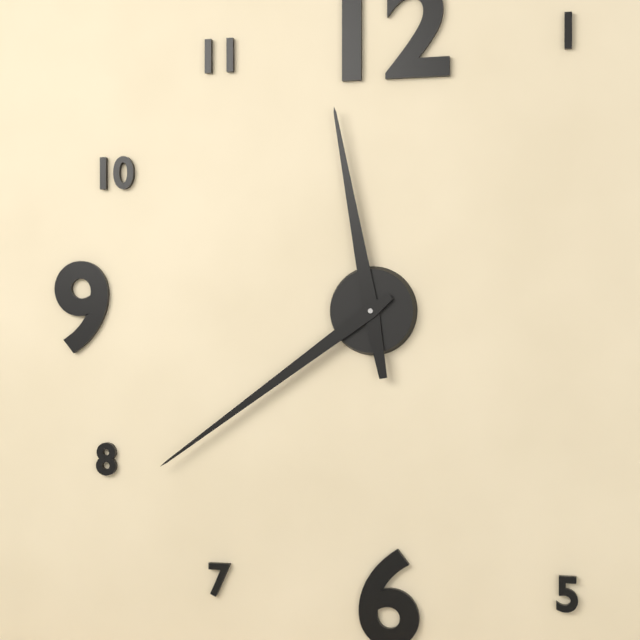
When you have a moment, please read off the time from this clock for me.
11:39
